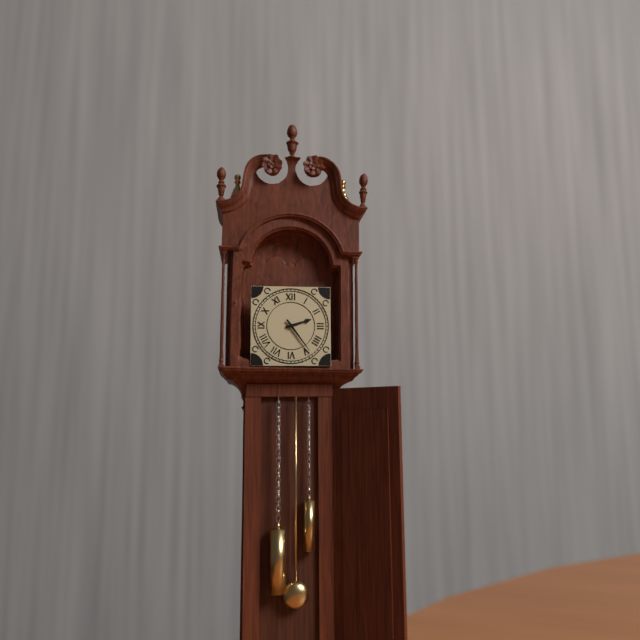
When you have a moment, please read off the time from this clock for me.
2:24
